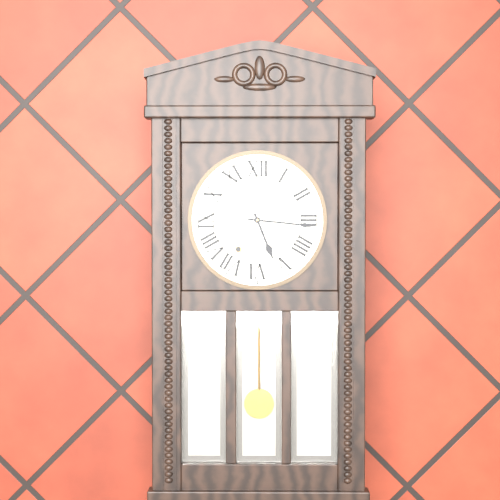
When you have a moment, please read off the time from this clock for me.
5:16
